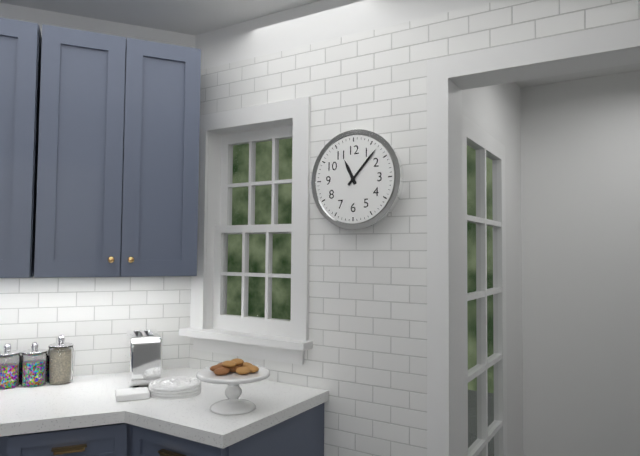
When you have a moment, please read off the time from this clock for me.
11:07
